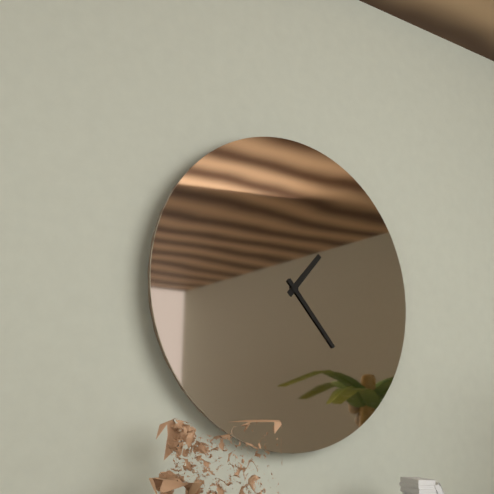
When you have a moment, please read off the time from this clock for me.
1:23
